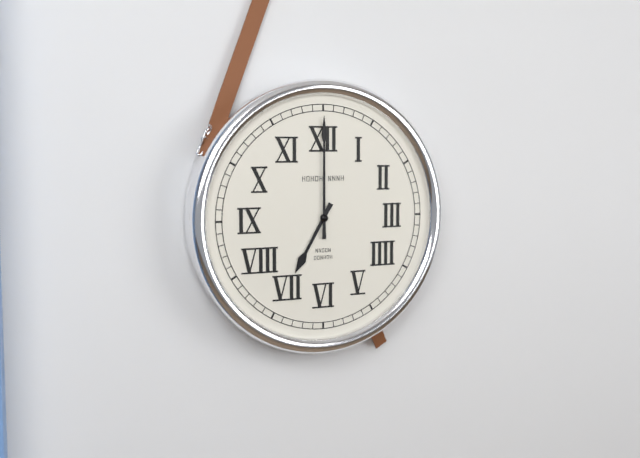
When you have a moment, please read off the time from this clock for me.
7:00
